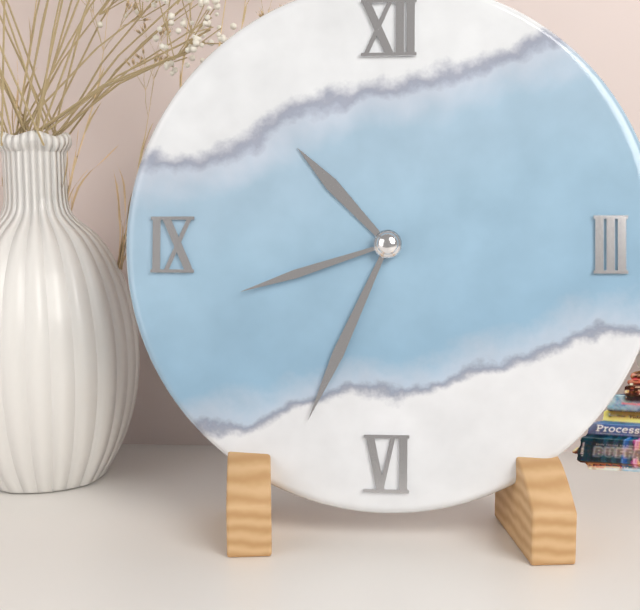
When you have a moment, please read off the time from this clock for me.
10:34:42
